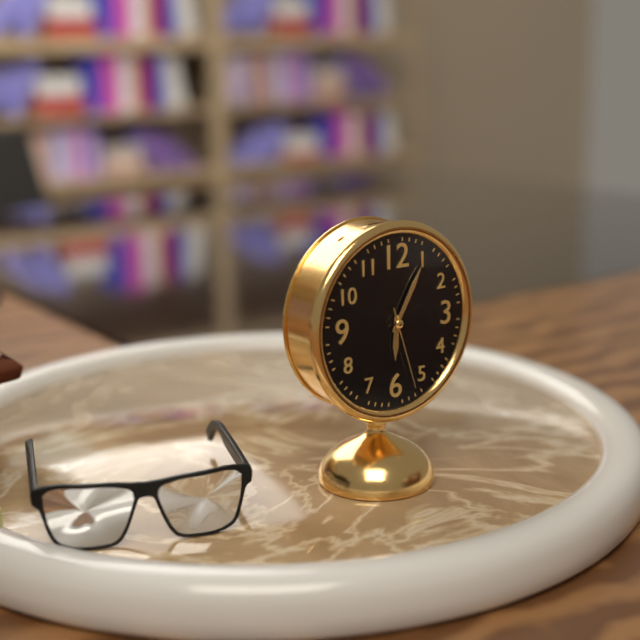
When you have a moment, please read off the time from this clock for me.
6:05:27
